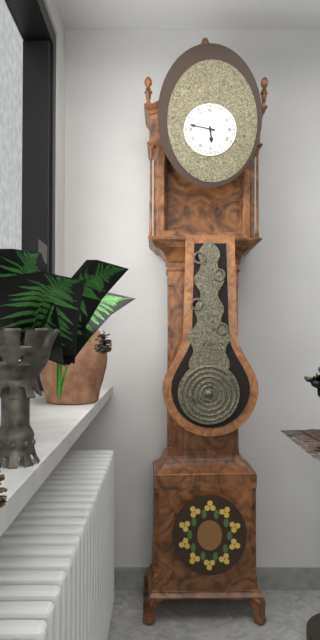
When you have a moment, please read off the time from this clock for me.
5:47
